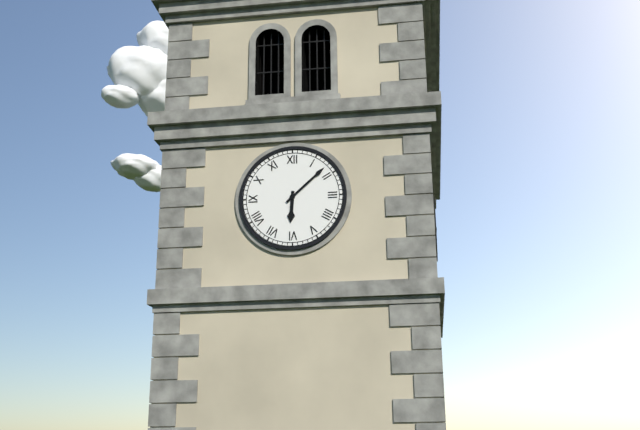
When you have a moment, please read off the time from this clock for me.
6:08
